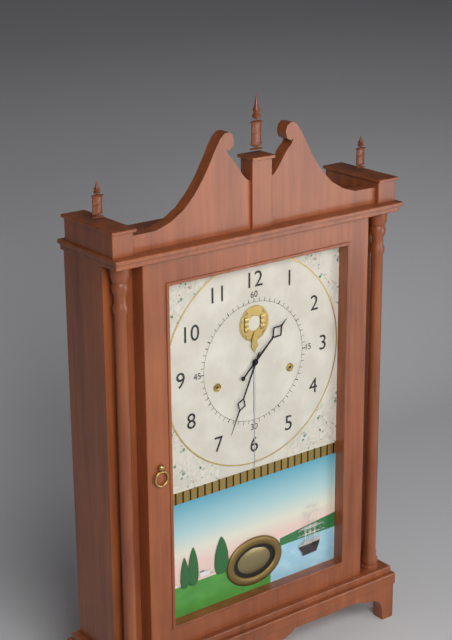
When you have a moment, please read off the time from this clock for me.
1:34
